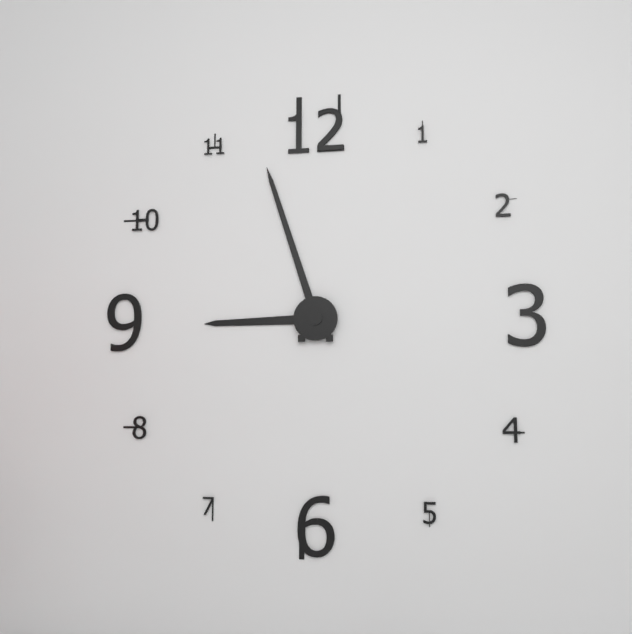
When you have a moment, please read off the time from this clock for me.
8:57
